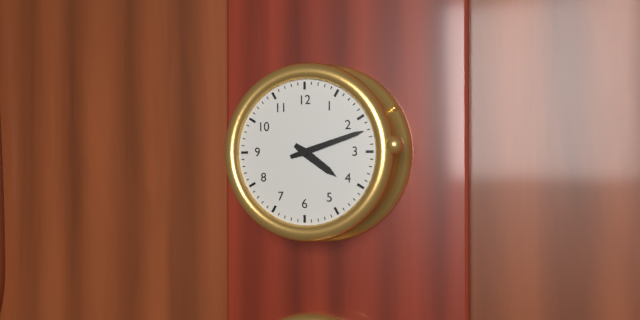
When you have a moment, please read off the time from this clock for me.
4:12
